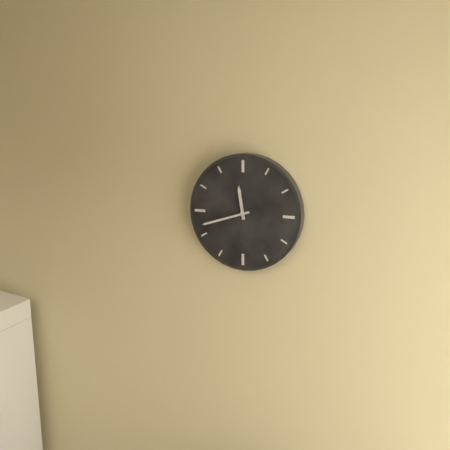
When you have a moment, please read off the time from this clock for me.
11:42
